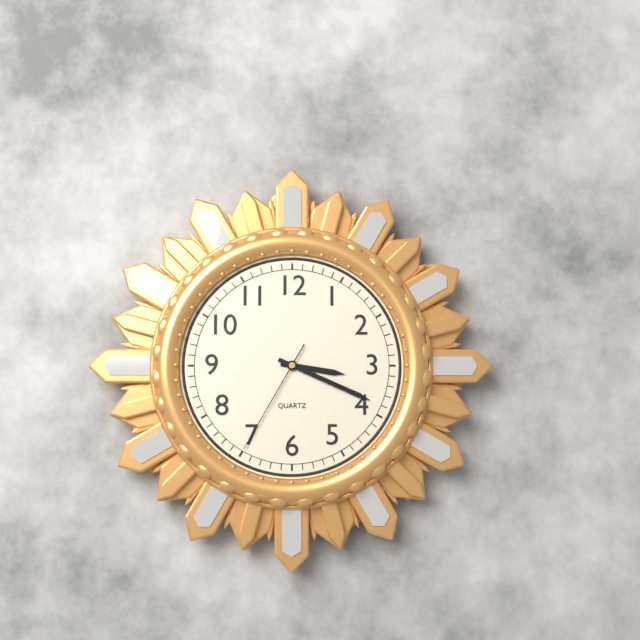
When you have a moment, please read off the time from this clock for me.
3:19:35
